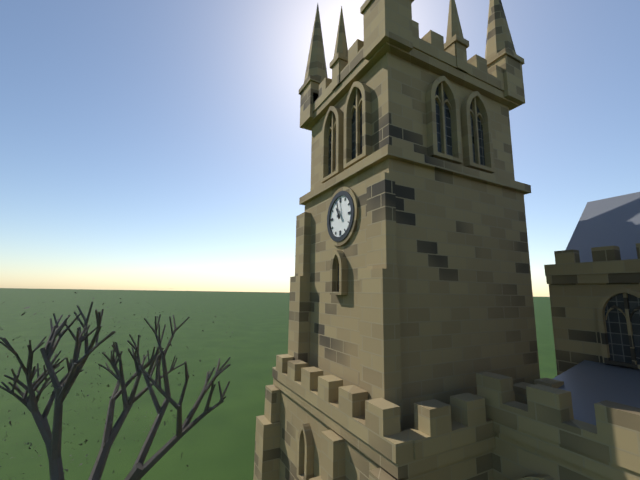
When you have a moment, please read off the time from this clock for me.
10:58
